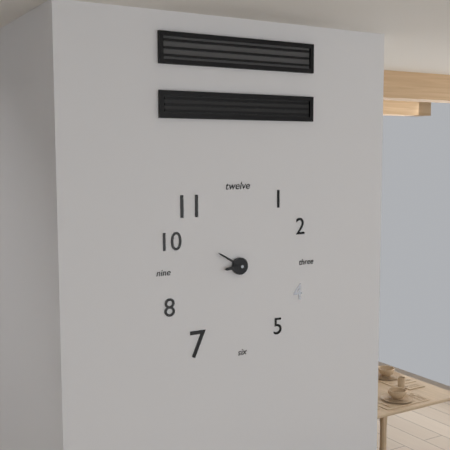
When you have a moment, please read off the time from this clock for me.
8:50
